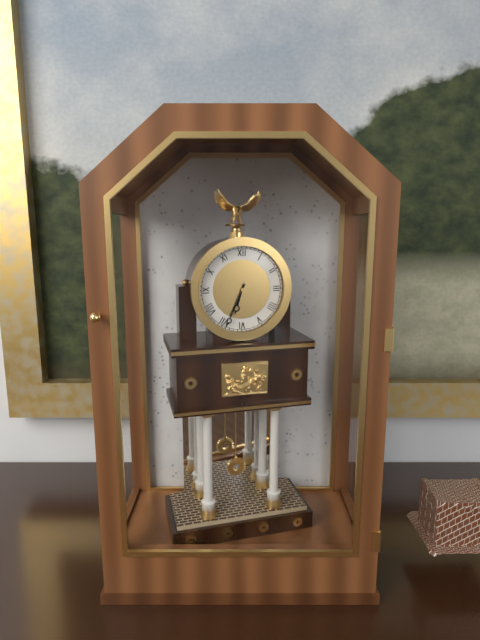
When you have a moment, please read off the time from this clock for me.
6:34
